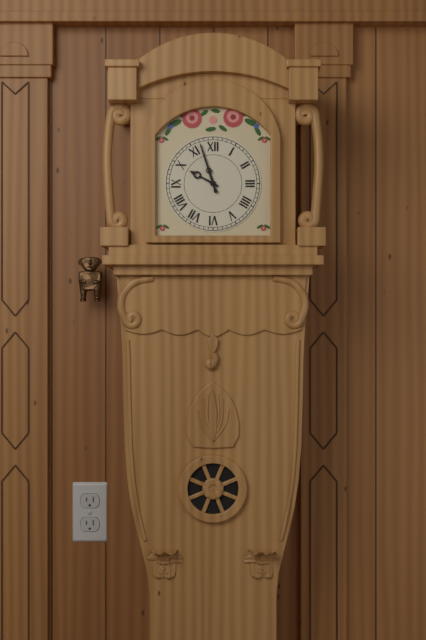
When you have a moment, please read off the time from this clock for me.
9:57
